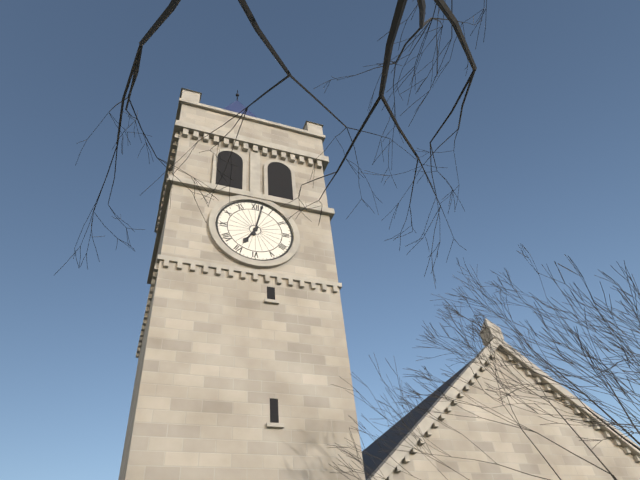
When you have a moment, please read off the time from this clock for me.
7:02
